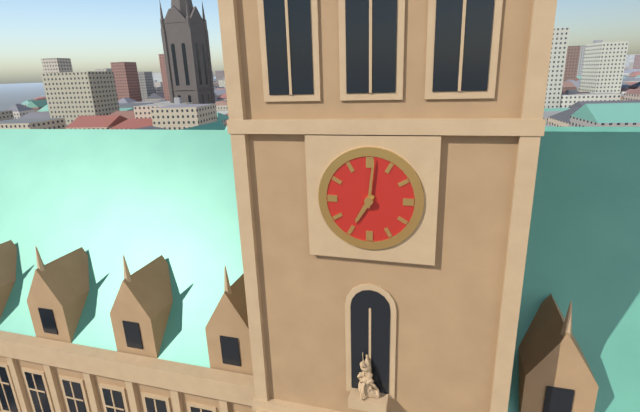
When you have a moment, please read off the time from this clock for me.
7:01
